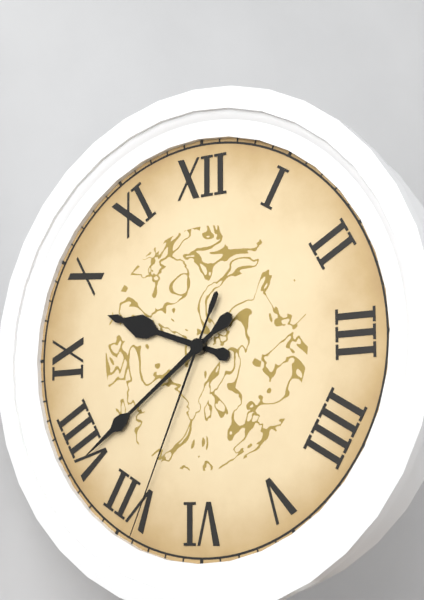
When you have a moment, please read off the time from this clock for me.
9:39:34
